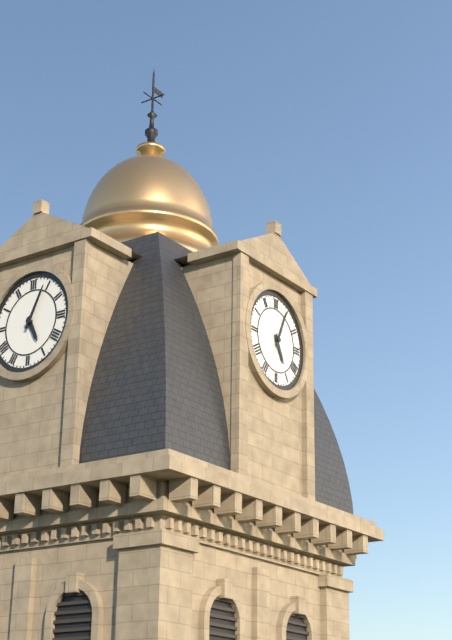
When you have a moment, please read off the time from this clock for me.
5:04
